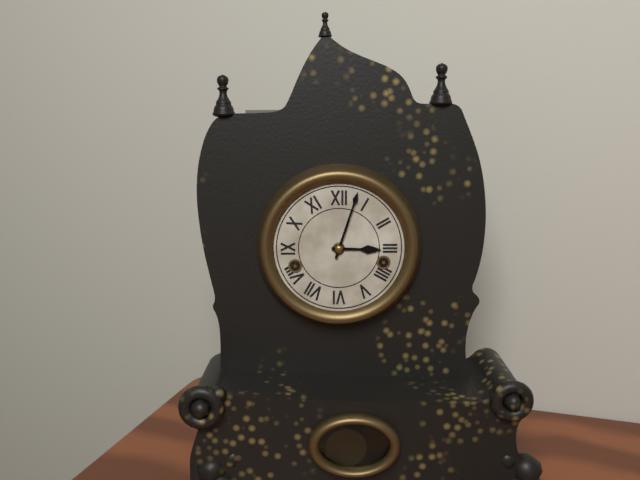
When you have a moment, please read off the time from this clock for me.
3:03
